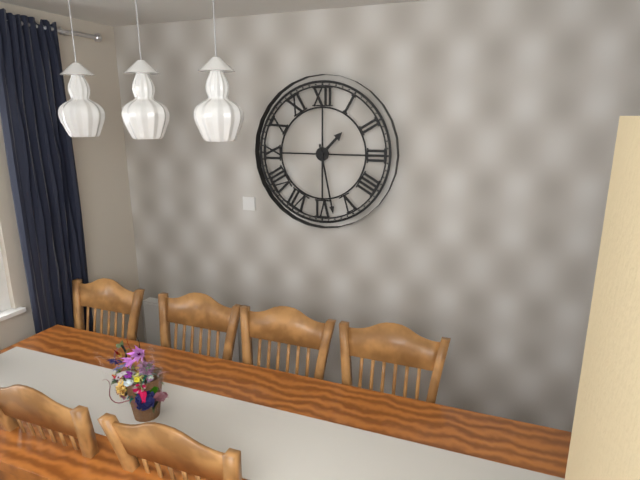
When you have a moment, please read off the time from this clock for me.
1:28
